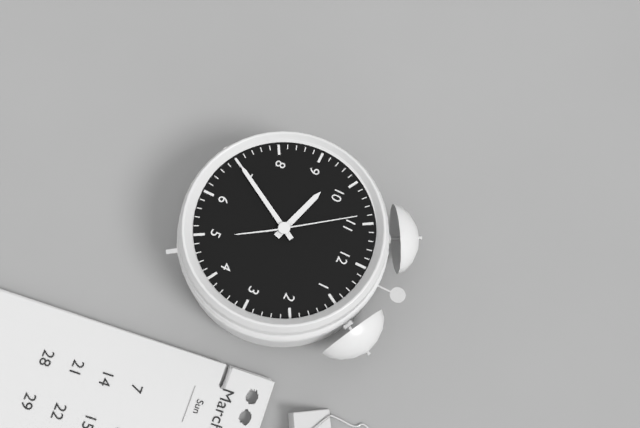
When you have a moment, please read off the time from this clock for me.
9:35:54
